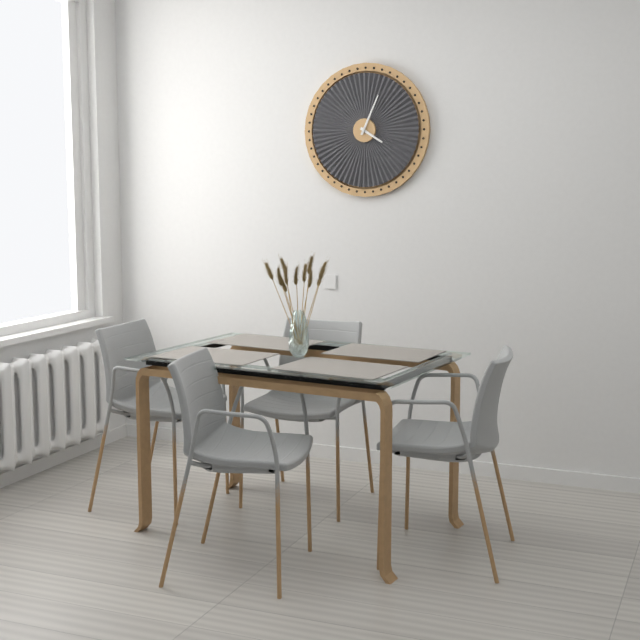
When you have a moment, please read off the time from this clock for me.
4:04
